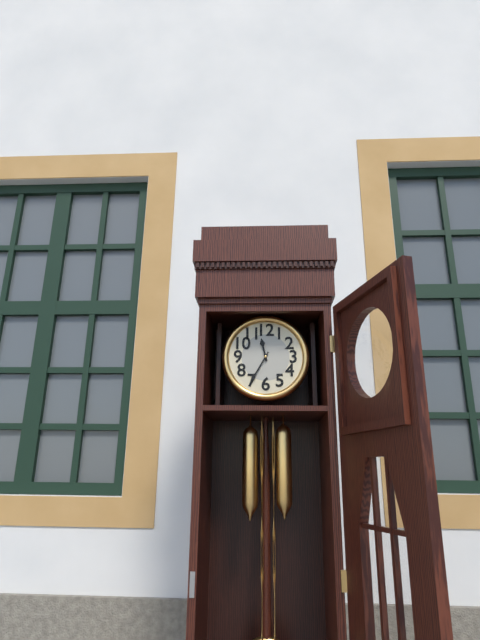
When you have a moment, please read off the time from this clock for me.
11:35
